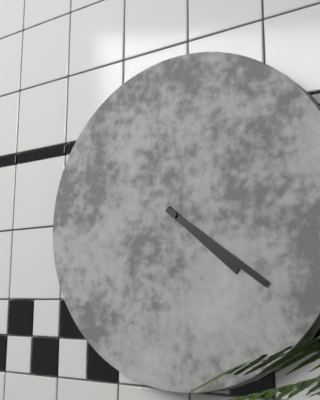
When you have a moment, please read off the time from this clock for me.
4:21
